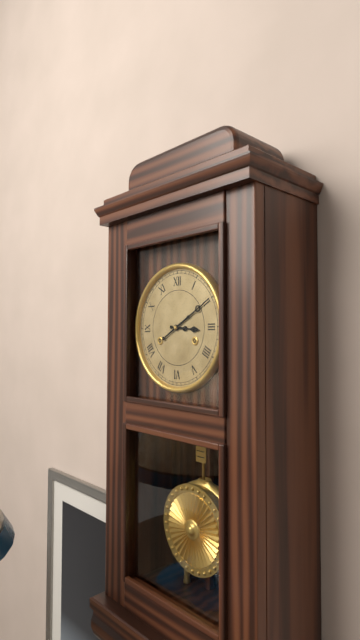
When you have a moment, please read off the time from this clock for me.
3:10
